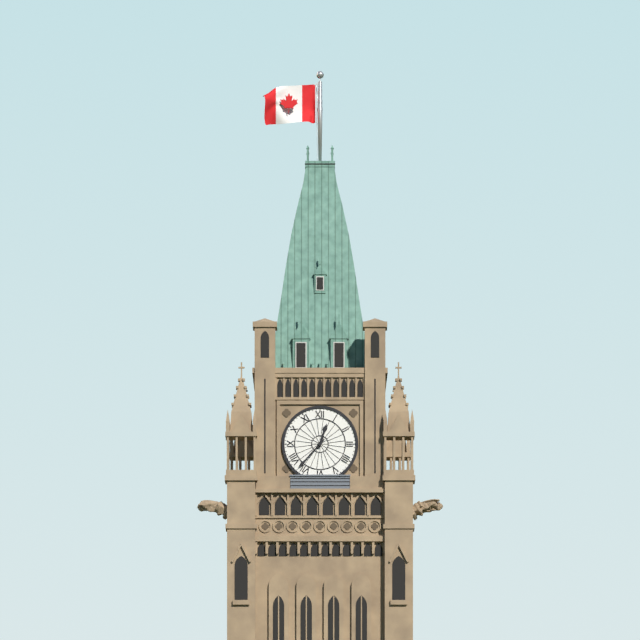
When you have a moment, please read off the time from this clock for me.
12:37
